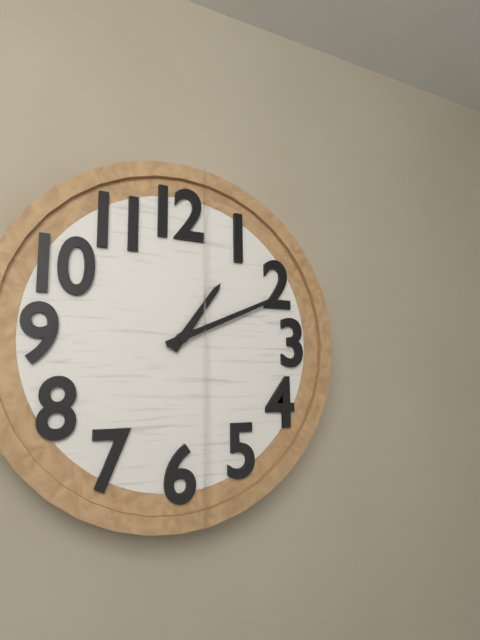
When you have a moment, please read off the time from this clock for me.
1:11
